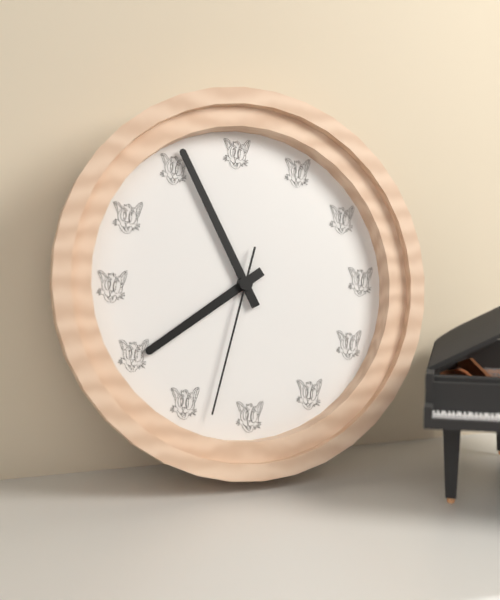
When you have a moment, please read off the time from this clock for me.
7:56:33
